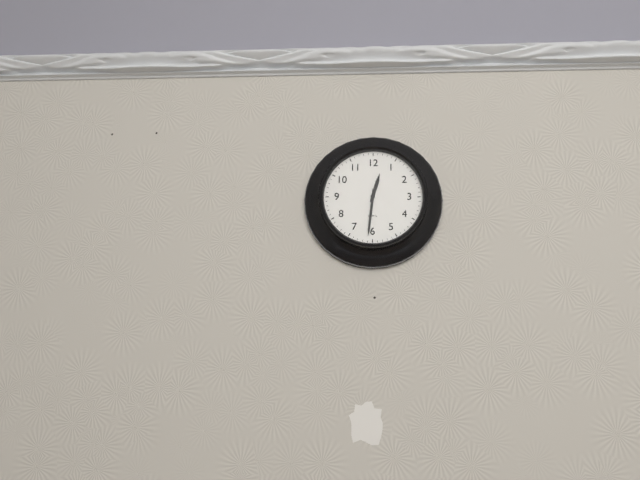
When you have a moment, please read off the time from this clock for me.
12:31
